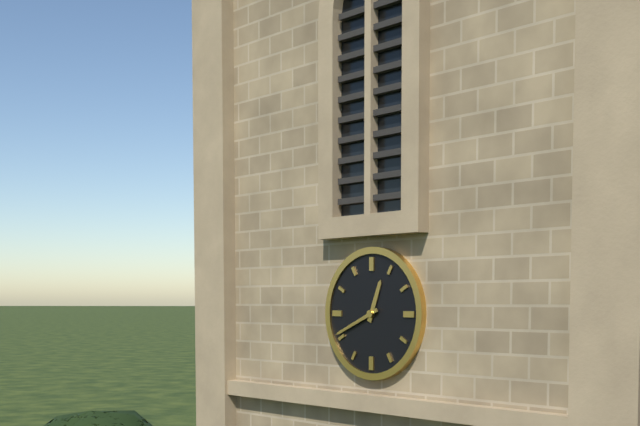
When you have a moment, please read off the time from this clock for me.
12:41
